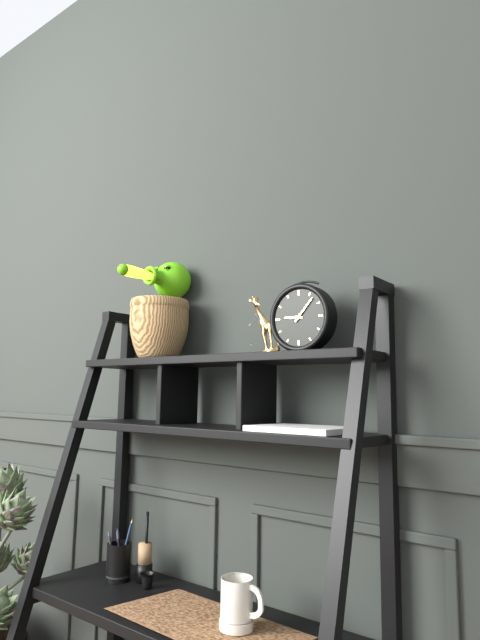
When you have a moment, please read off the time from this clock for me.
9:07
